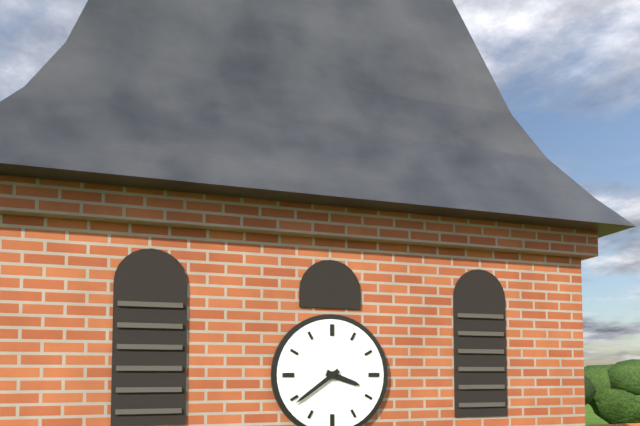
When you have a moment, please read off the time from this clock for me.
3:39
